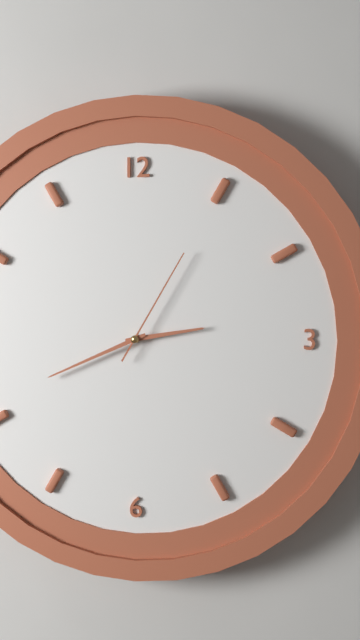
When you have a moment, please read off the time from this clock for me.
2:41:05
